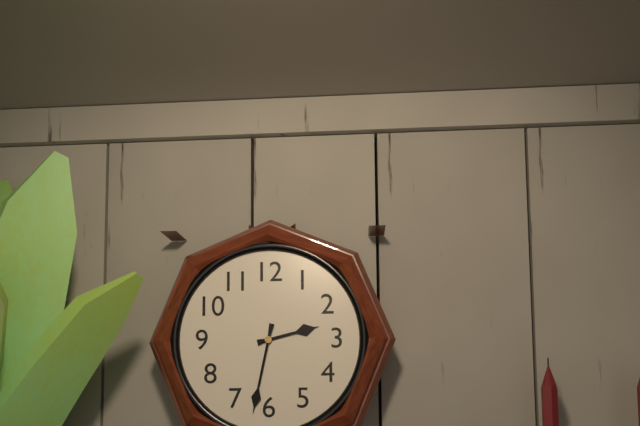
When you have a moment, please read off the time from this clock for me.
2:32
